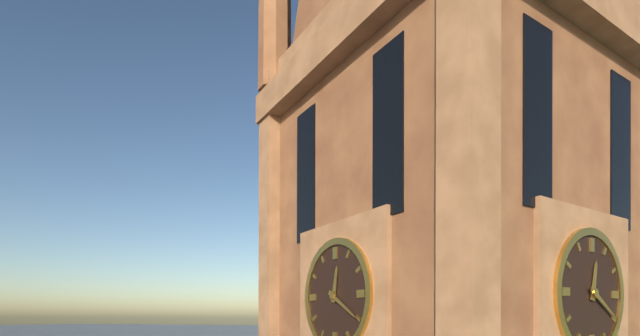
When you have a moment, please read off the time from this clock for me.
12:20
